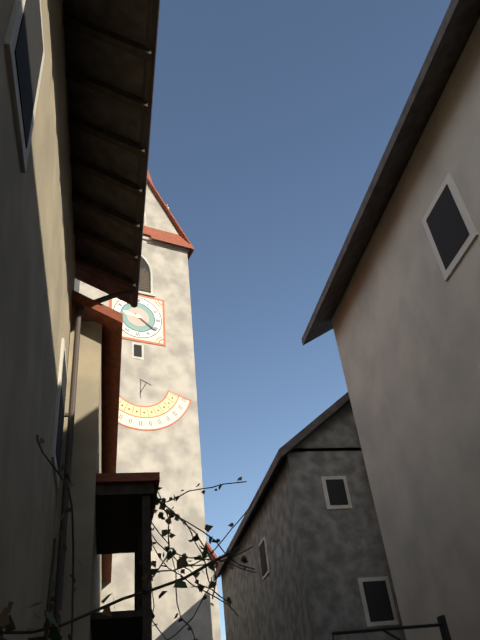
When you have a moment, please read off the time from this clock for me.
9:21
